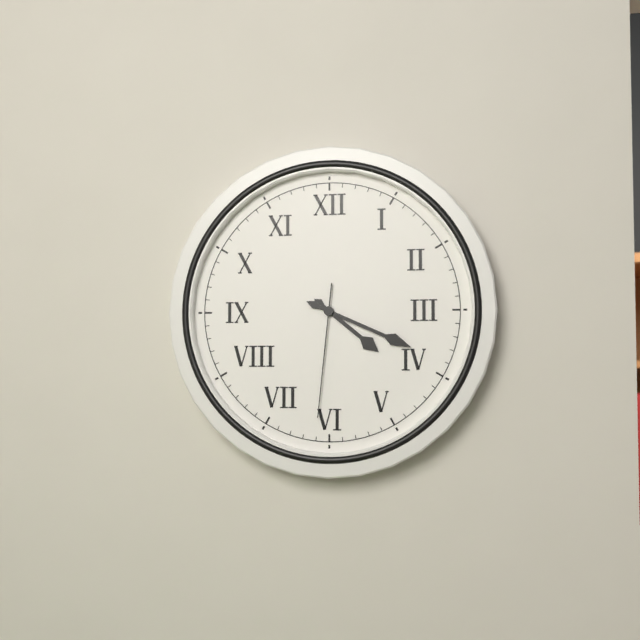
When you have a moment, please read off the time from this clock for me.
4:19:31
